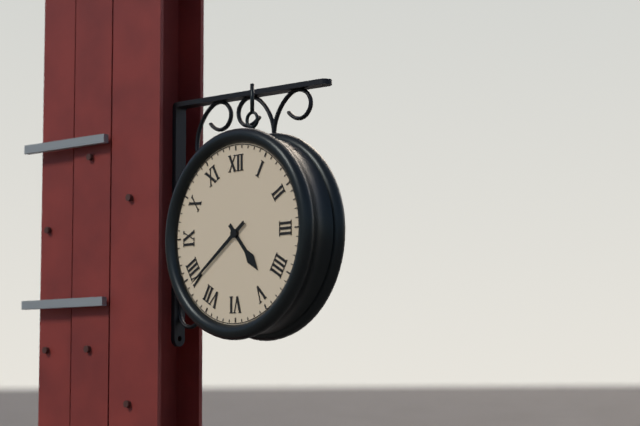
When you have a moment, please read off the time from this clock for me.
4:39
